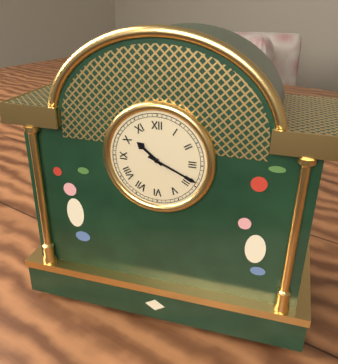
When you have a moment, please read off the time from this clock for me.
10:19
